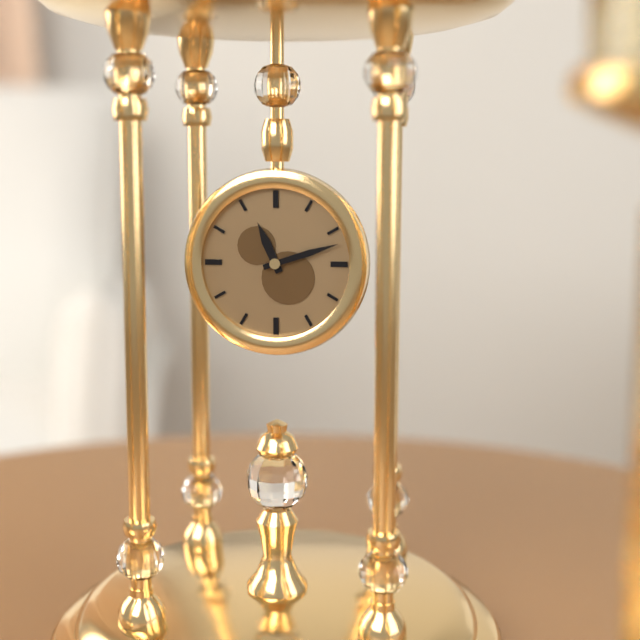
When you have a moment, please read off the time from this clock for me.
11:12
